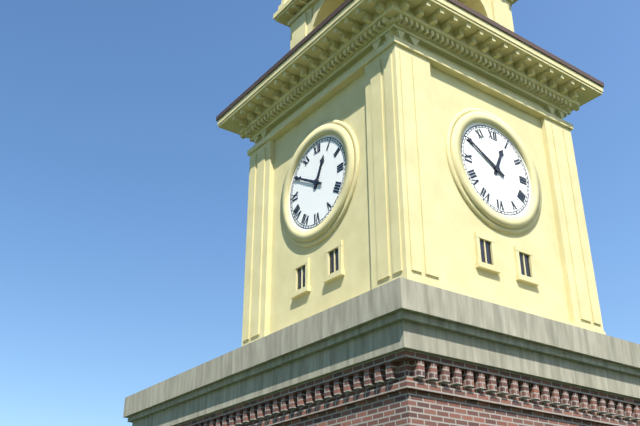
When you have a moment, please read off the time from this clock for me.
12:50
